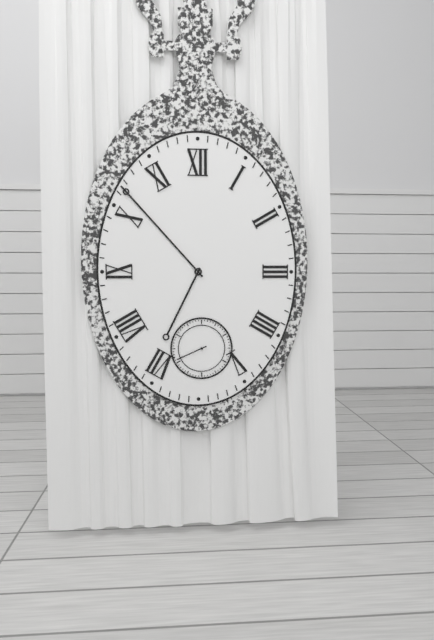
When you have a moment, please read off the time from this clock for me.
6:53
